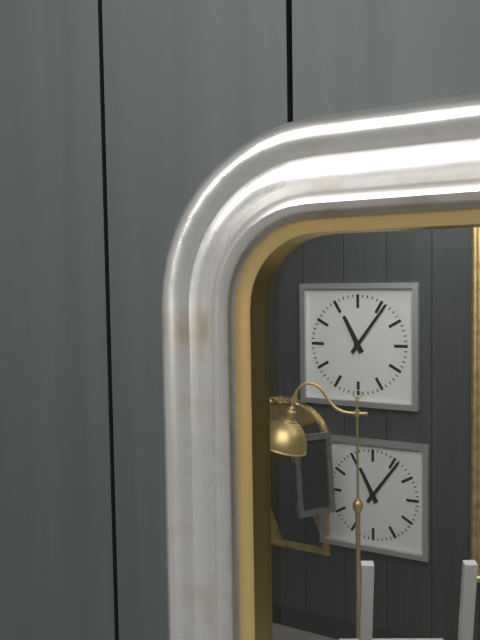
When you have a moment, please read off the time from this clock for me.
11:06
